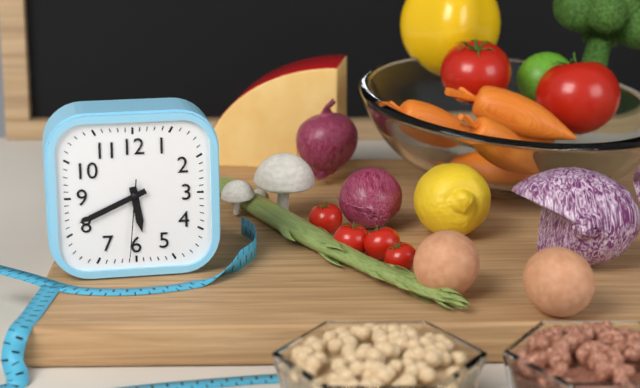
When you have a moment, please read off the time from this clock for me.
5:41:31
